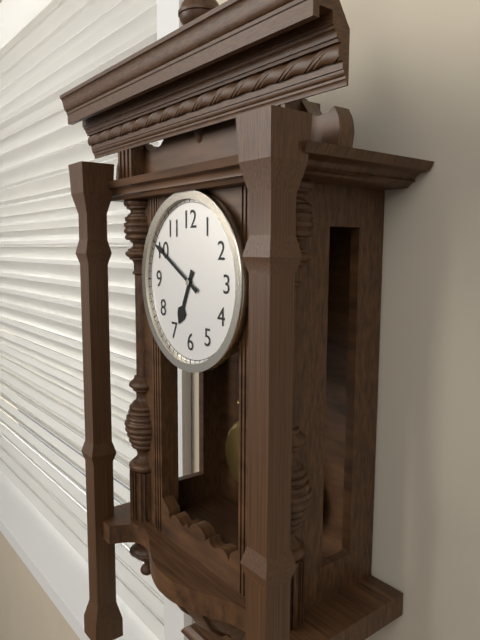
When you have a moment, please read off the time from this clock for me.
6:50
